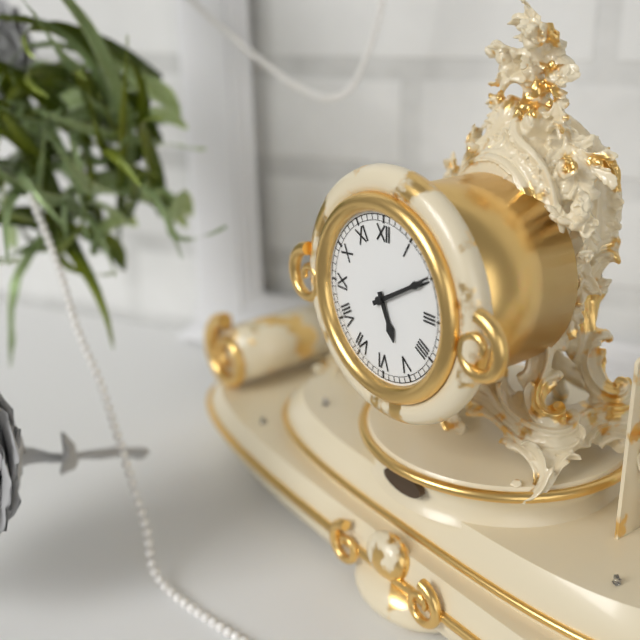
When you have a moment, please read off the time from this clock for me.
5:10
